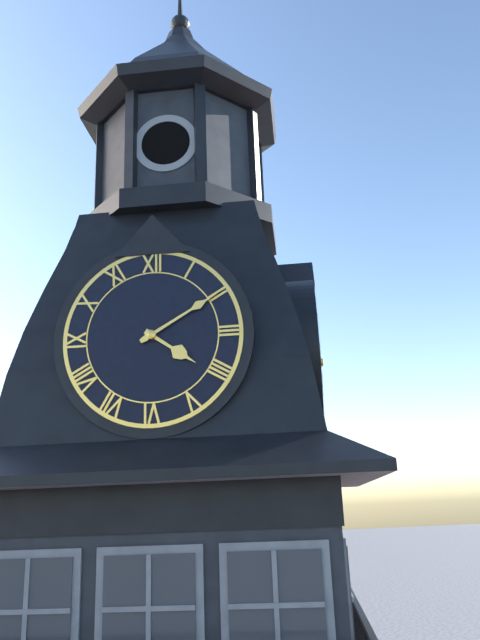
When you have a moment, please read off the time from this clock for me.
4:10
